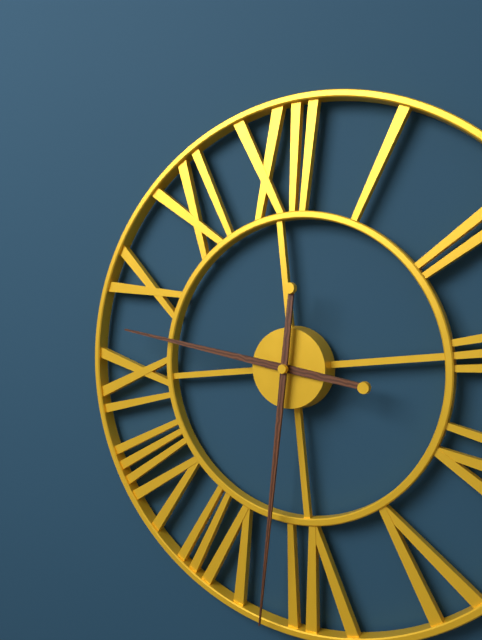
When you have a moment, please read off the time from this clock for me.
9:32
